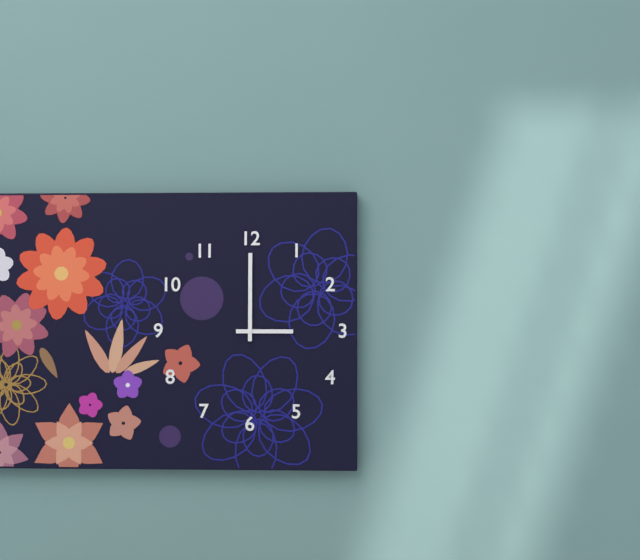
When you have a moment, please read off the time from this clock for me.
3:00
